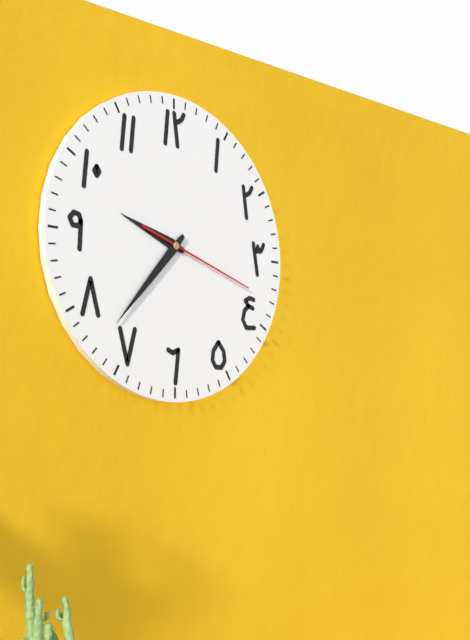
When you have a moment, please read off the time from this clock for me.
9:37:18
